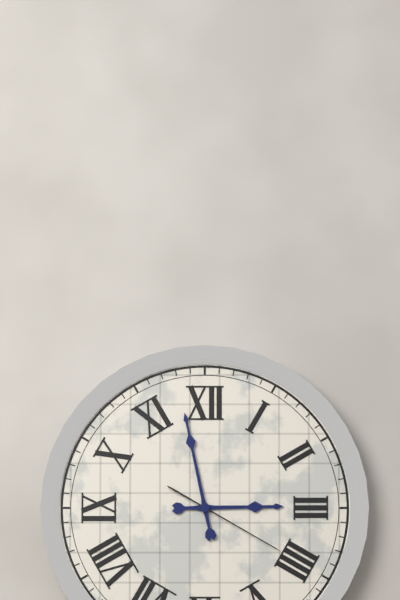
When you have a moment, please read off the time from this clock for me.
2:58:20
